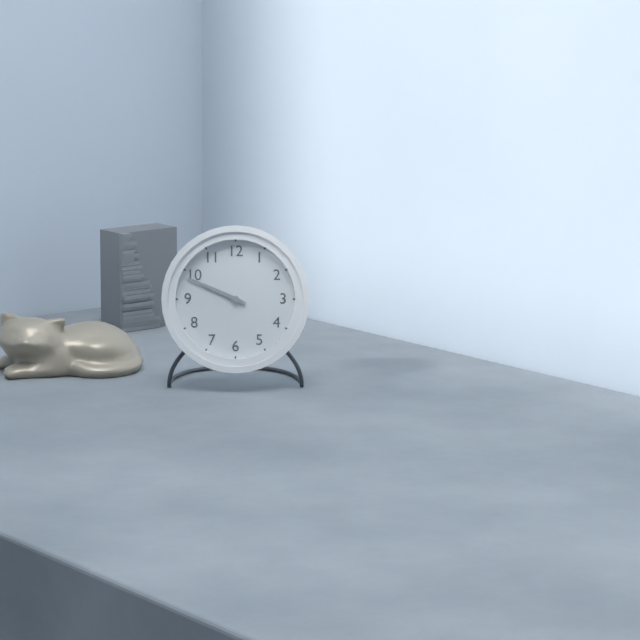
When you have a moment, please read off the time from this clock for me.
9:49
